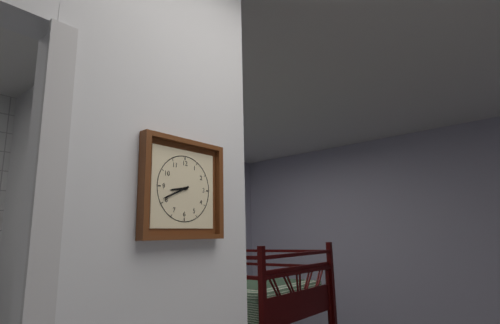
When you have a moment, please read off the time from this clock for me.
8:41
